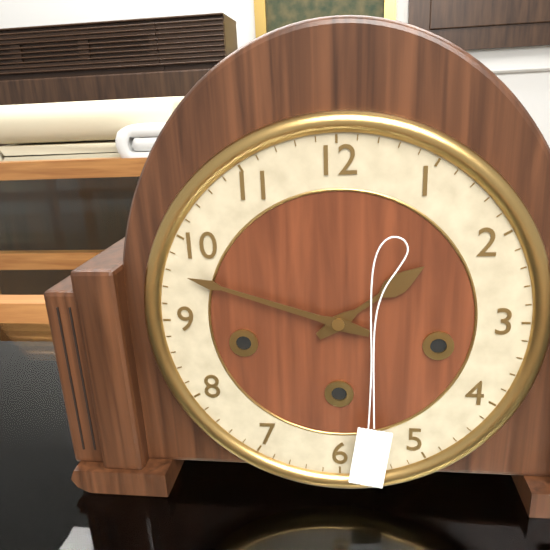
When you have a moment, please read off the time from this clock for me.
1:48
